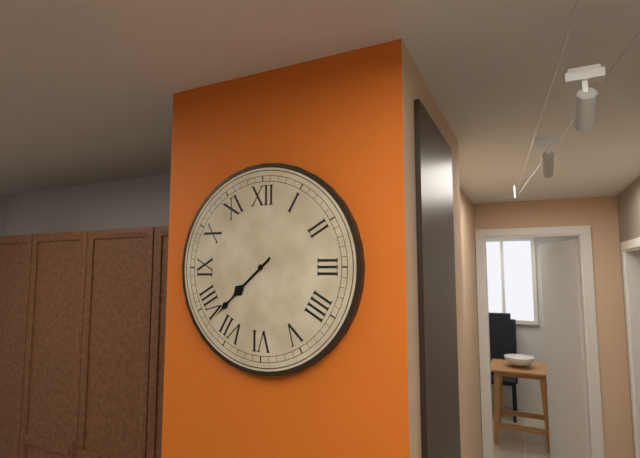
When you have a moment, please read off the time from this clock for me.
7:38
